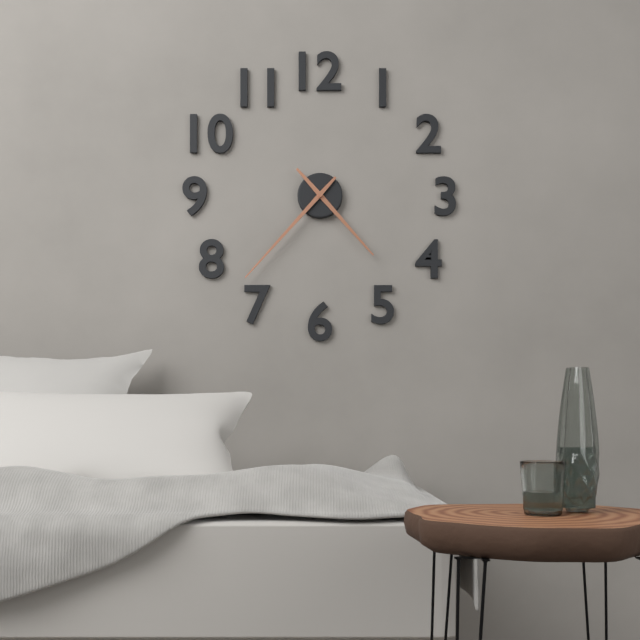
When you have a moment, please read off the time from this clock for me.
4:37
